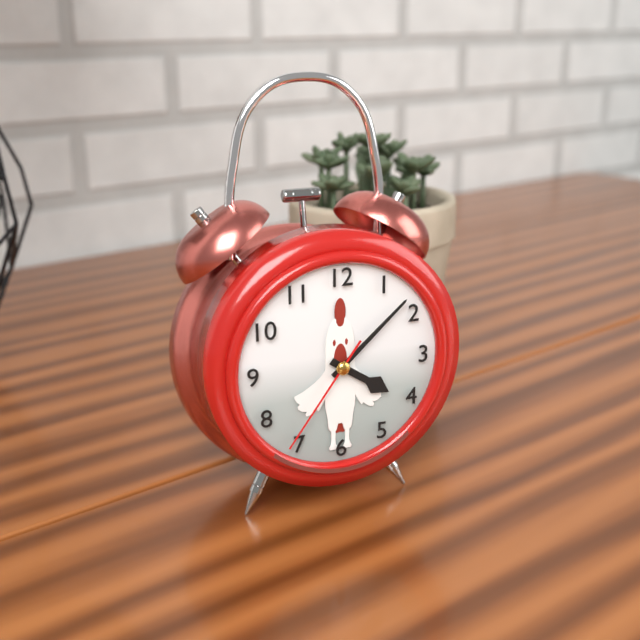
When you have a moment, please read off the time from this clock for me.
4:08:36
